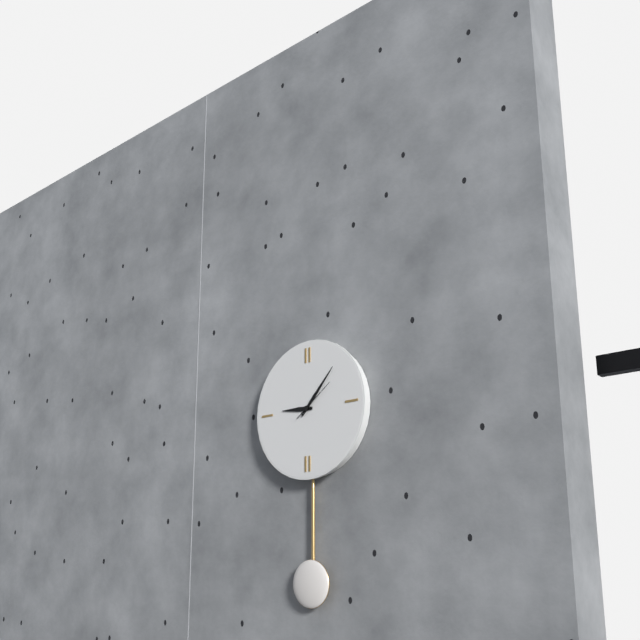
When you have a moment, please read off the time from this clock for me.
9:07
